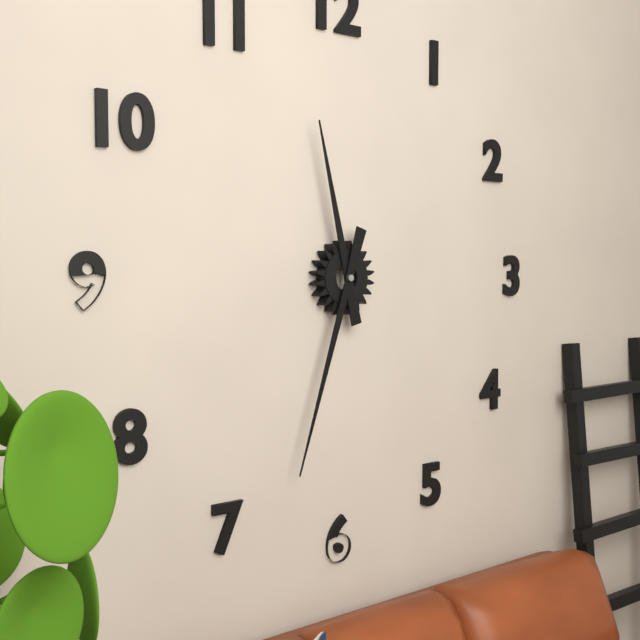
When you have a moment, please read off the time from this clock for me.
11:33
